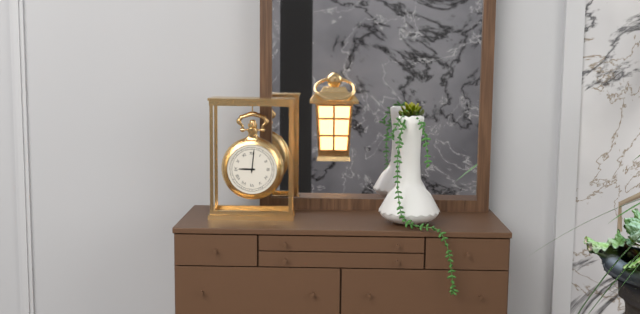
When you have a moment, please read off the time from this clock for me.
9:01
